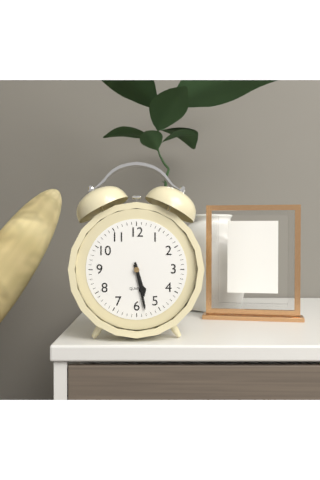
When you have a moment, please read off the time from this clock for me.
5:28
